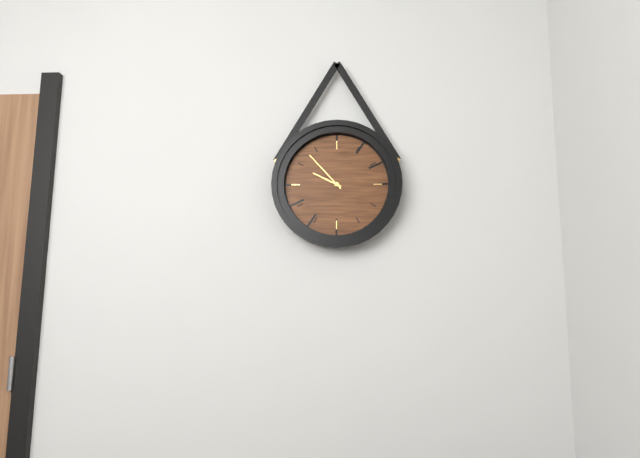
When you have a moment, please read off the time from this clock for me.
9:53
